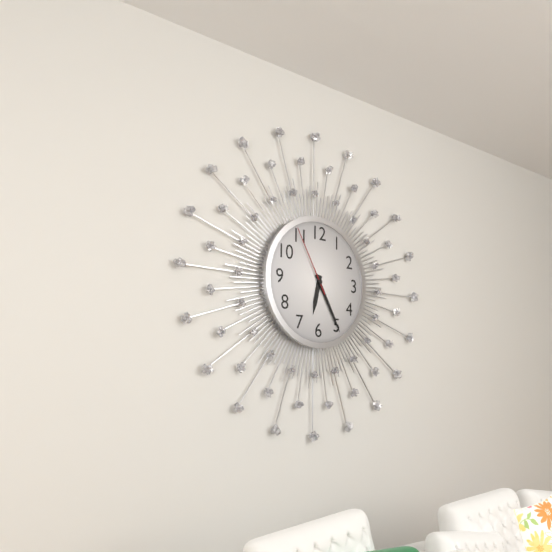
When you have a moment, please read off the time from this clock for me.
6:25:55
